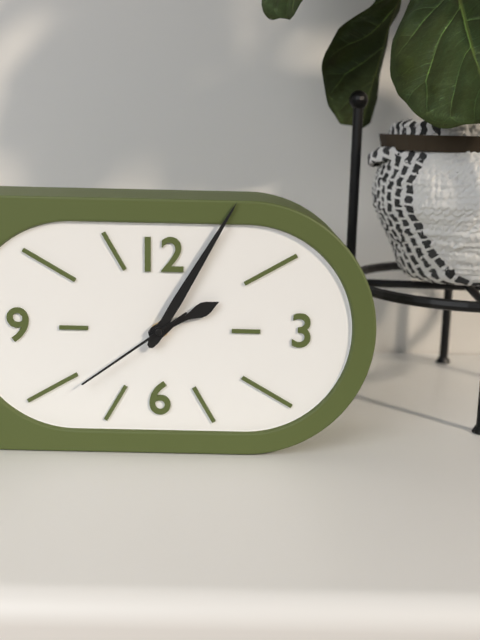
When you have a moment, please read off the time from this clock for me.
2:05:39
